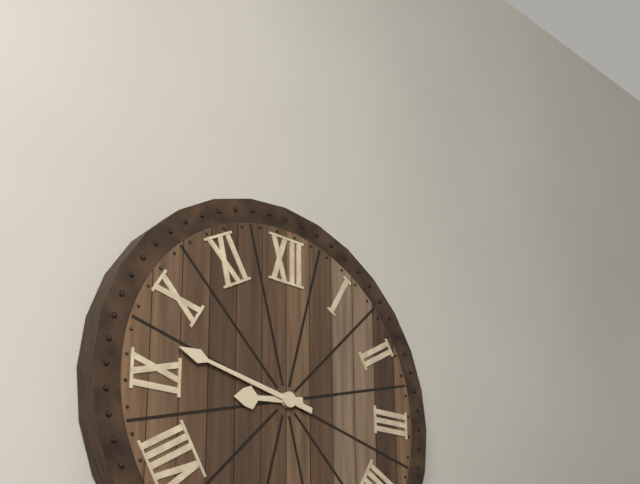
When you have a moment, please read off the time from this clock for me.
8:47
